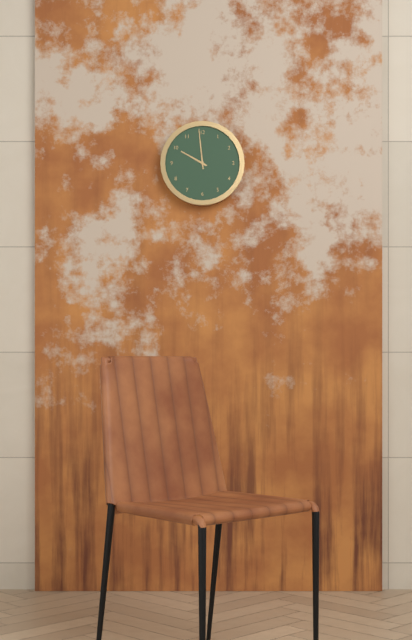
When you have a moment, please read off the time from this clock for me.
9:59
